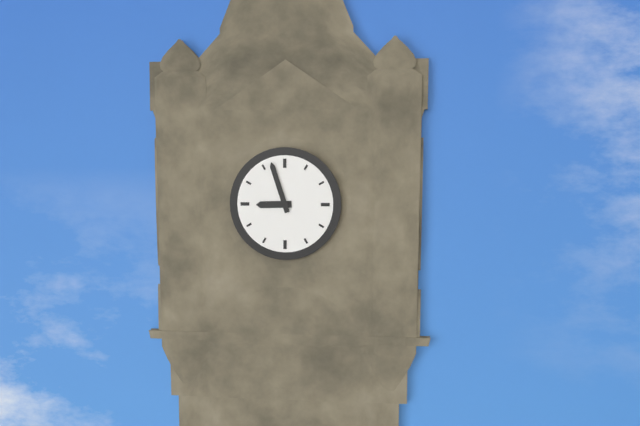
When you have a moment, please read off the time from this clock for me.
8:57
